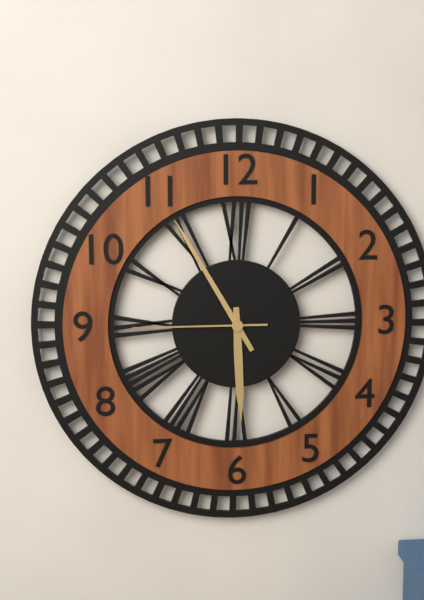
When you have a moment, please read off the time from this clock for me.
5:55:45
